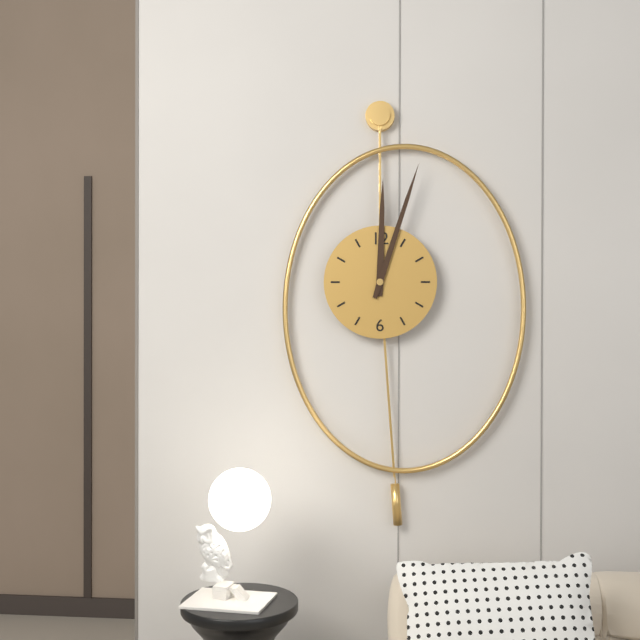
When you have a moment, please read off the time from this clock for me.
12:03
